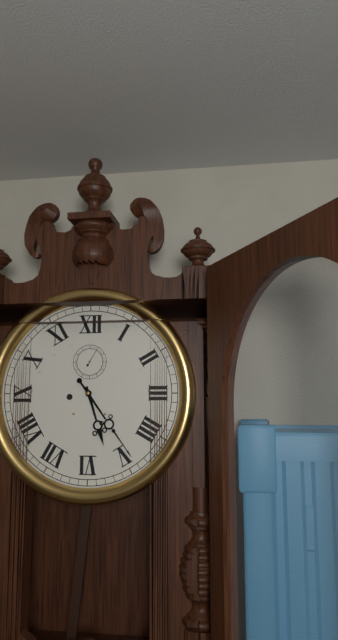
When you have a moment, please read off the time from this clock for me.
5:24
